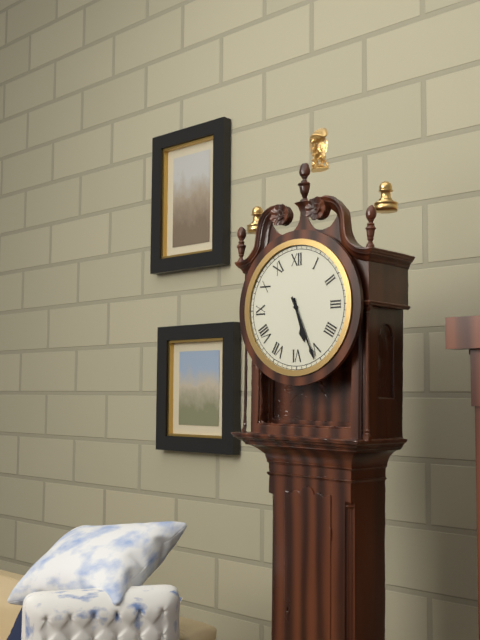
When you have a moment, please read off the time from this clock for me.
5:26
